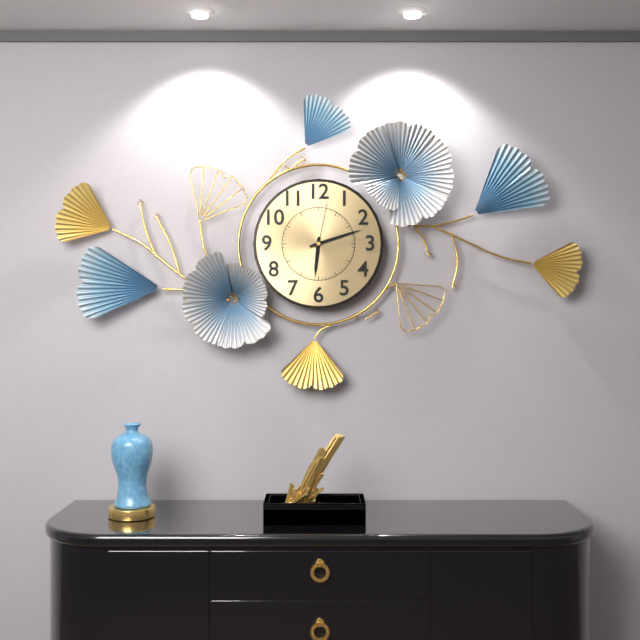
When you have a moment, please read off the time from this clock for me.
6:12:02
